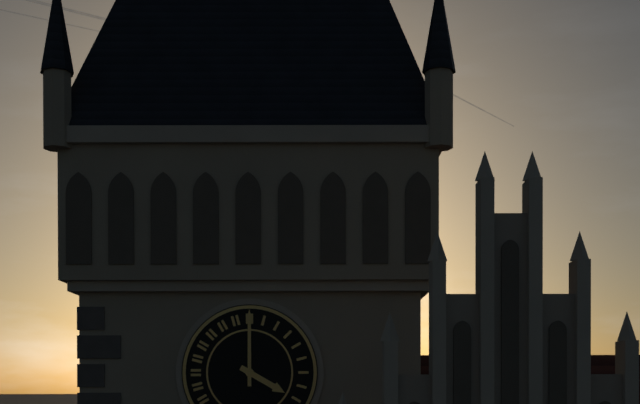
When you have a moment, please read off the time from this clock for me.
4:00
